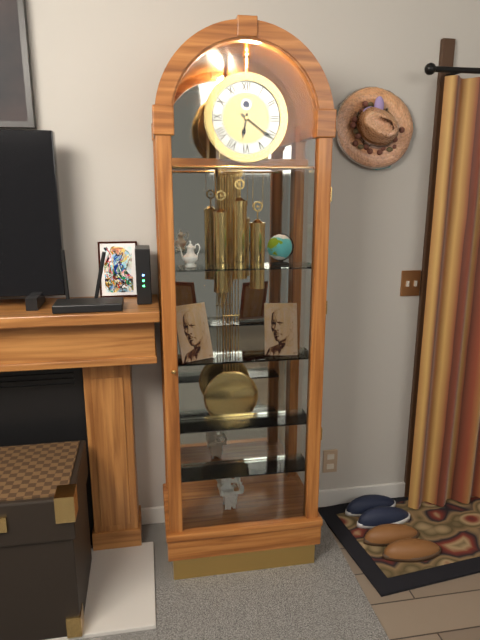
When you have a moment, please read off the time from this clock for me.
6:21
